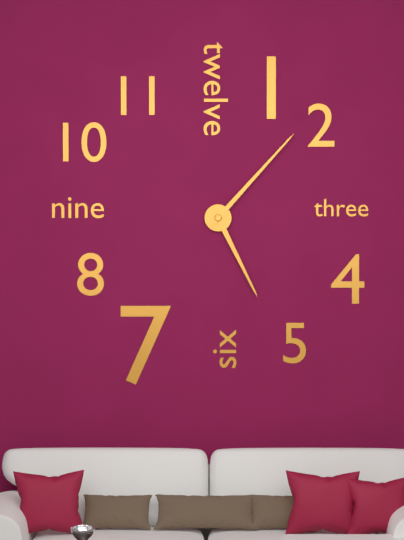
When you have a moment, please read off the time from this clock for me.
5:07
